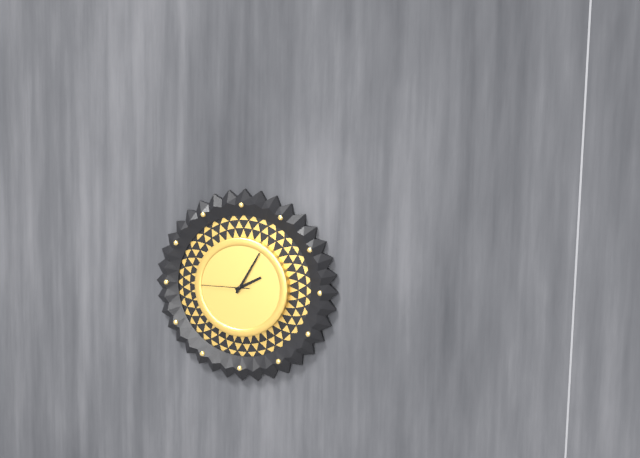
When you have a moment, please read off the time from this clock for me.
2:05:45
